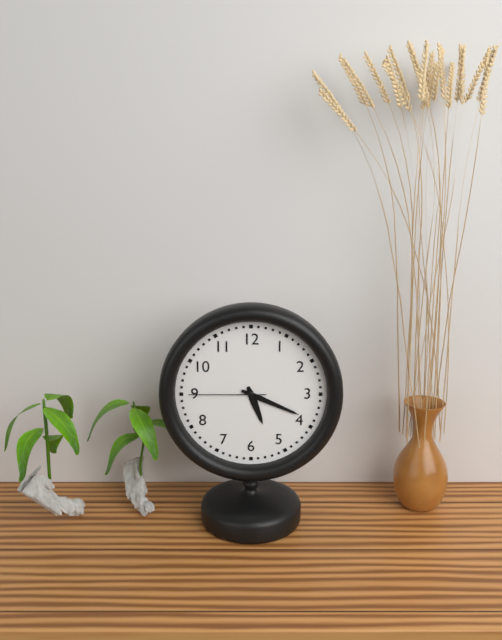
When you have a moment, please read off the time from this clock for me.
5:19:45
